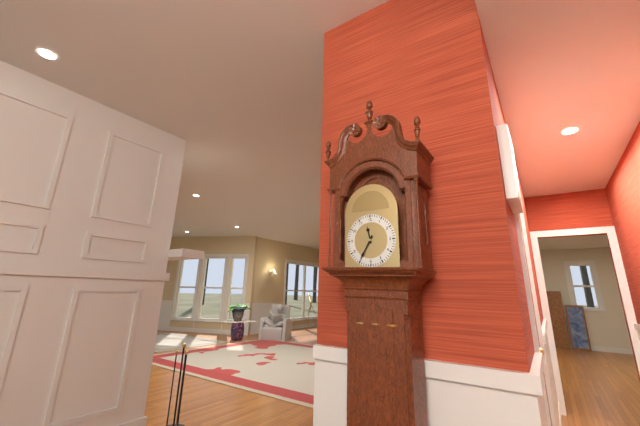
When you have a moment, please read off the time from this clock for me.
11:35
